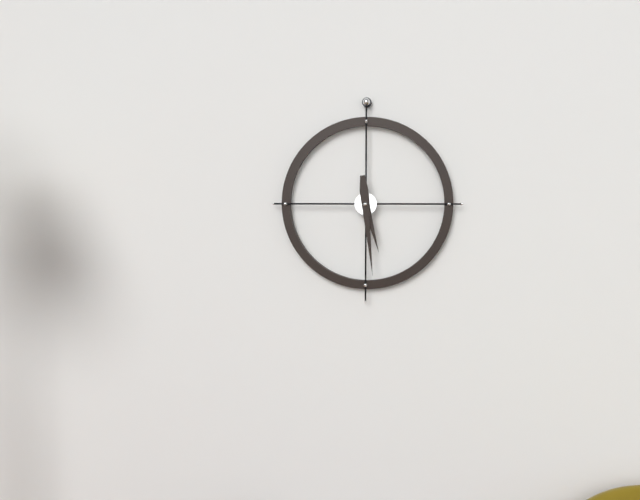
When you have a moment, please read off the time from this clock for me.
5:29
